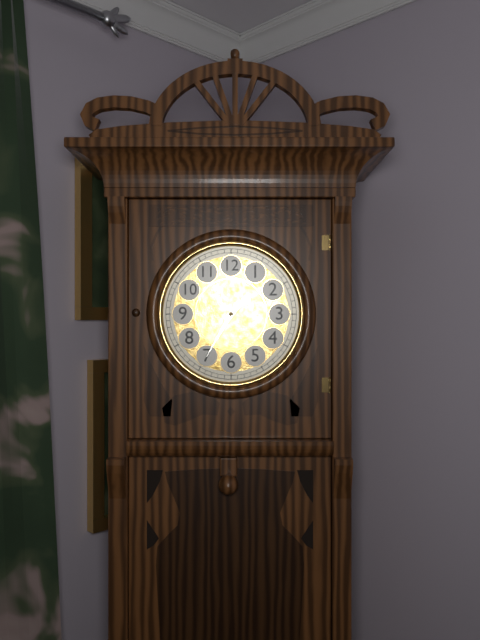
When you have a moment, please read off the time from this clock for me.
1:35
